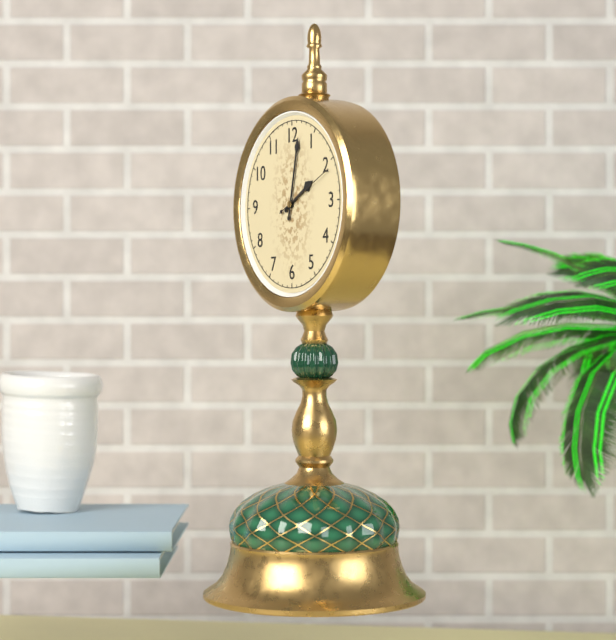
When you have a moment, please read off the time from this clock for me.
2:02:11
